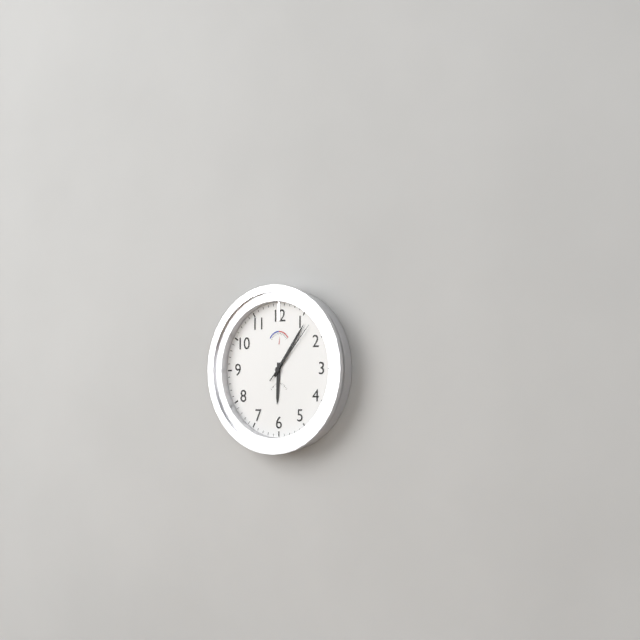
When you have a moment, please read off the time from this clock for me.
6:06:07
